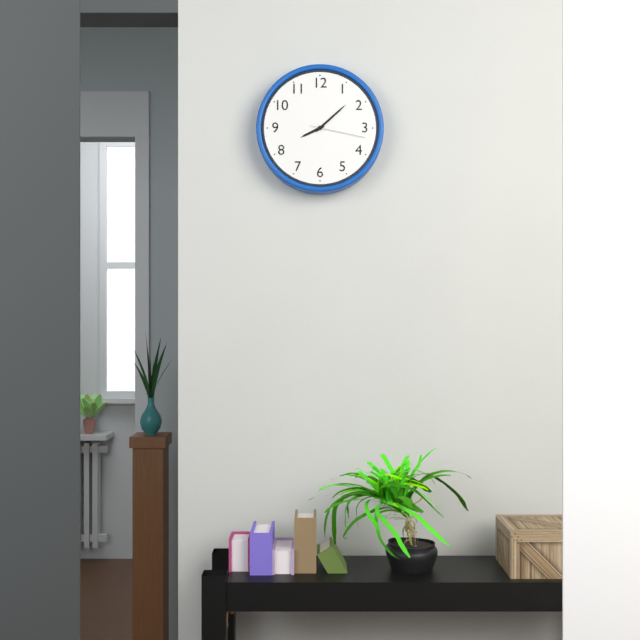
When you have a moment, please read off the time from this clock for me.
8:08:17
